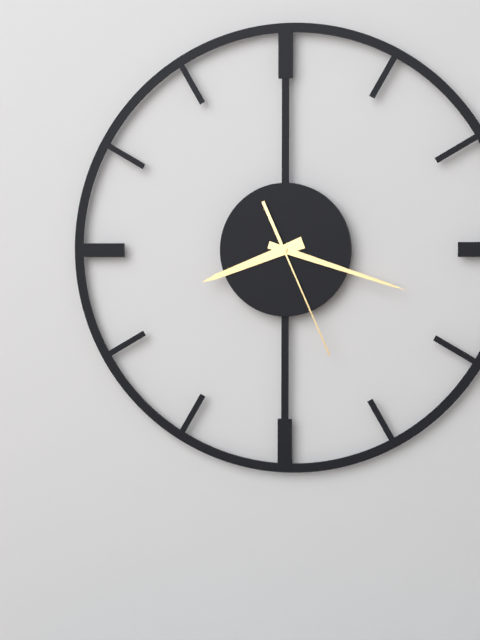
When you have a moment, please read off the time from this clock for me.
8:18:26
